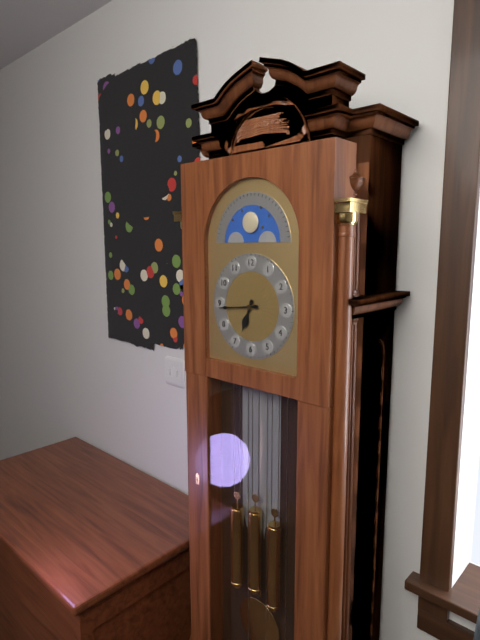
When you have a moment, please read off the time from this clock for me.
6:44
